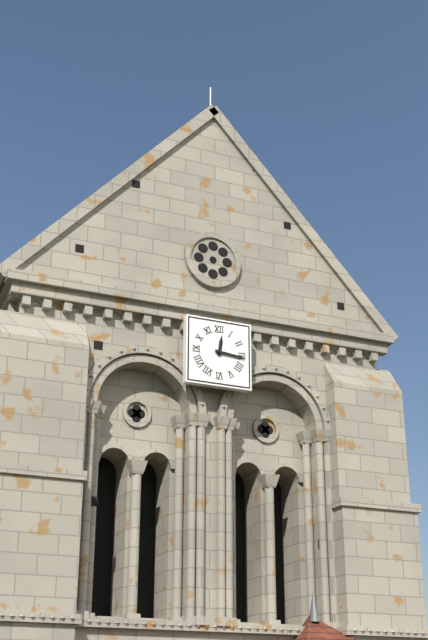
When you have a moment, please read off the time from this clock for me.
12:16
